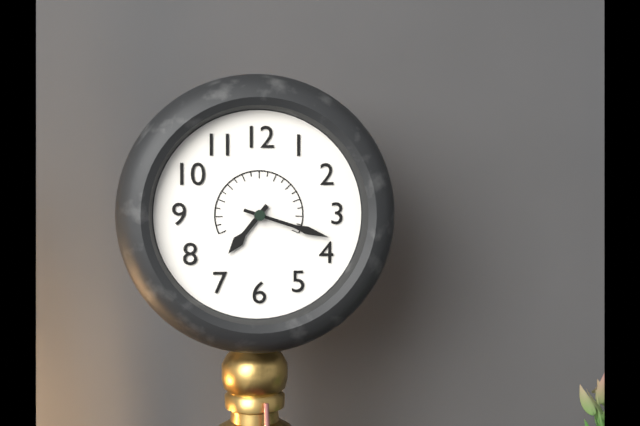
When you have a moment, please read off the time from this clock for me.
7:18
